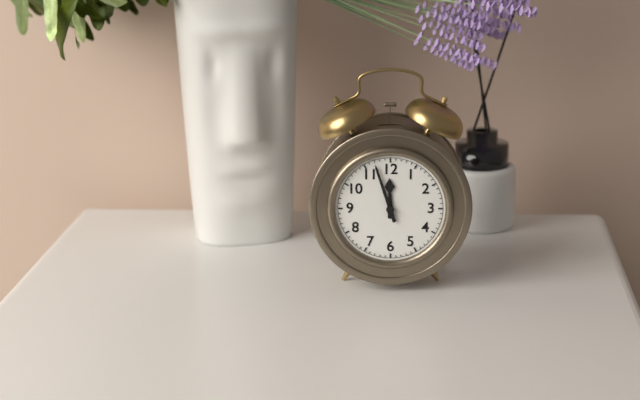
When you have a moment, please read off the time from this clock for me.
11:57
